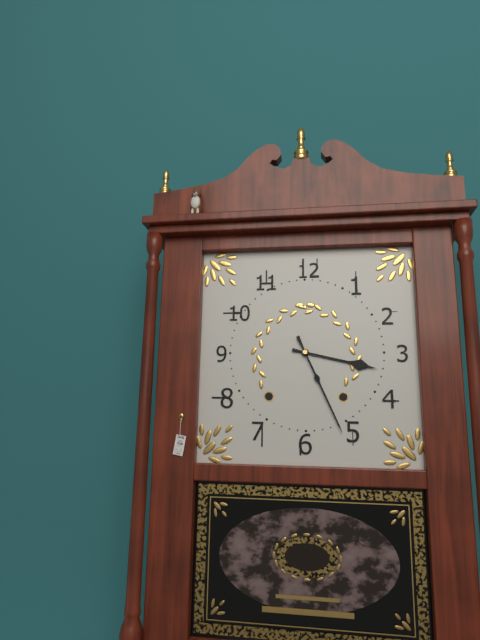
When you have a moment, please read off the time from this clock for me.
3:26
